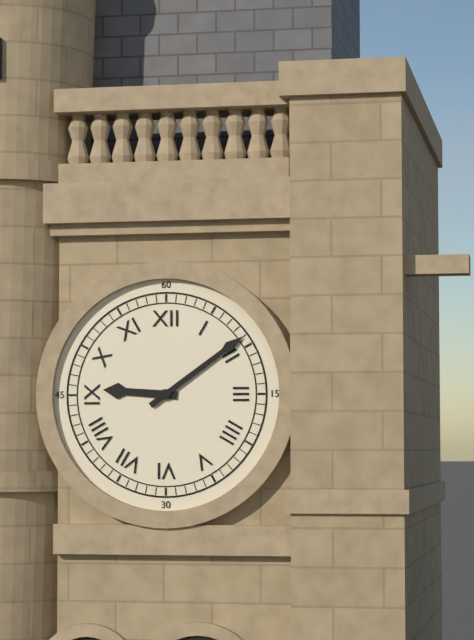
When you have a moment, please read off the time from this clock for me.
9:09
